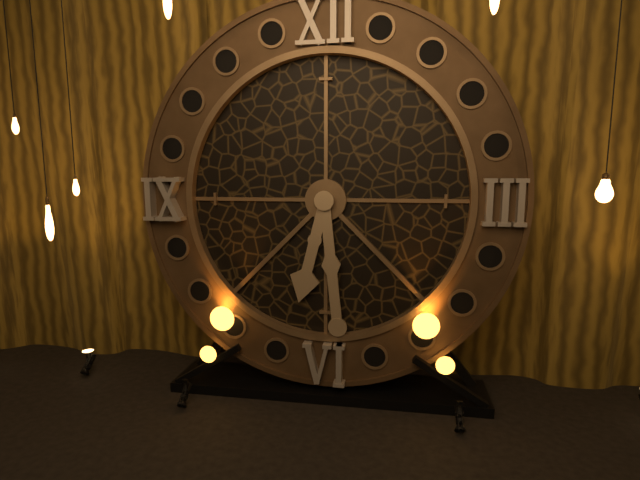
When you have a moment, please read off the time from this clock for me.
6:29
